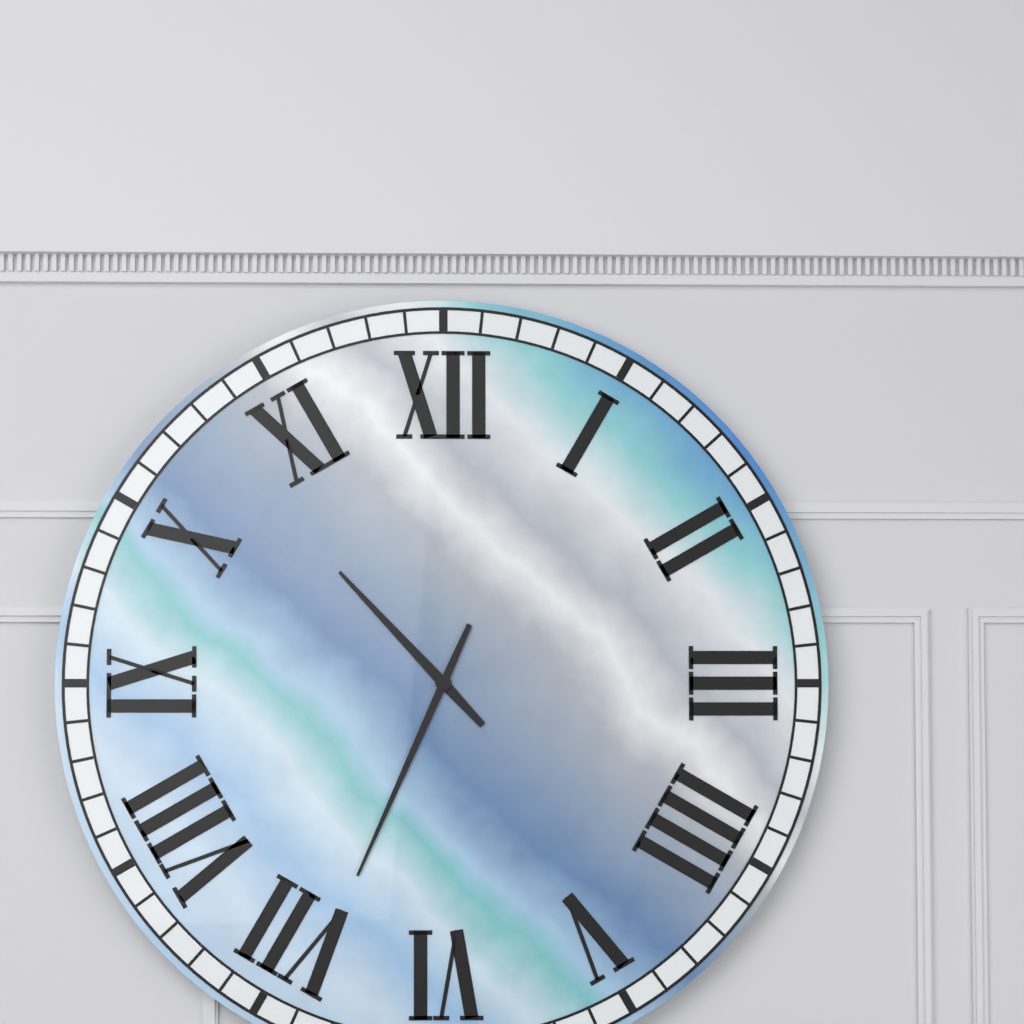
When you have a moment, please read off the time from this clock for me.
10:34
